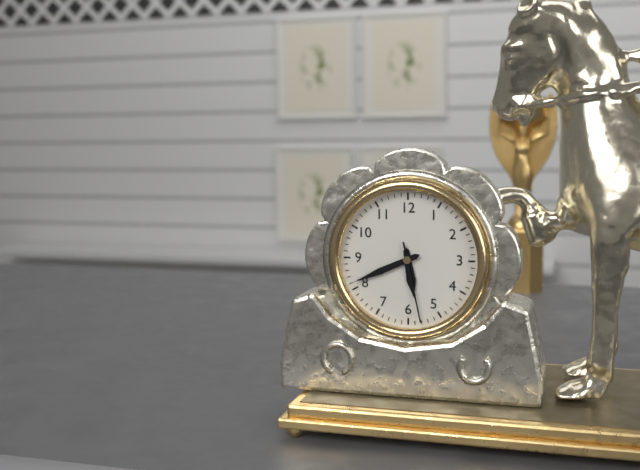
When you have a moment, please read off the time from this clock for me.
5:41:28
